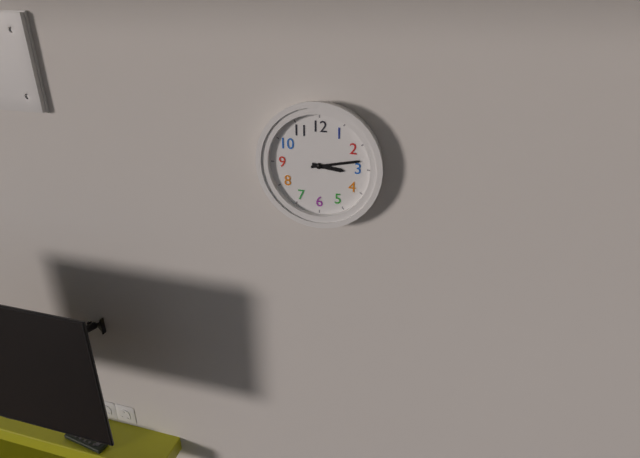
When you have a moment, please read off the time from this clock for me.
3:13
